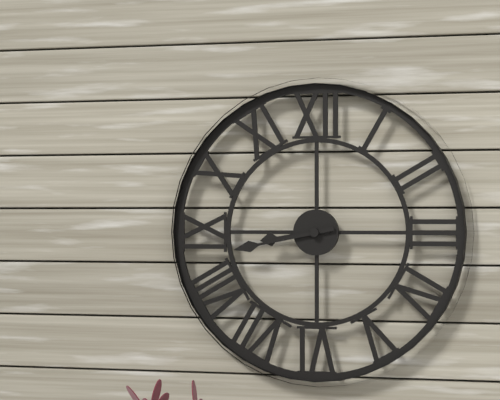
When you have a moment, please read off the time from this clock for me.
8:43
